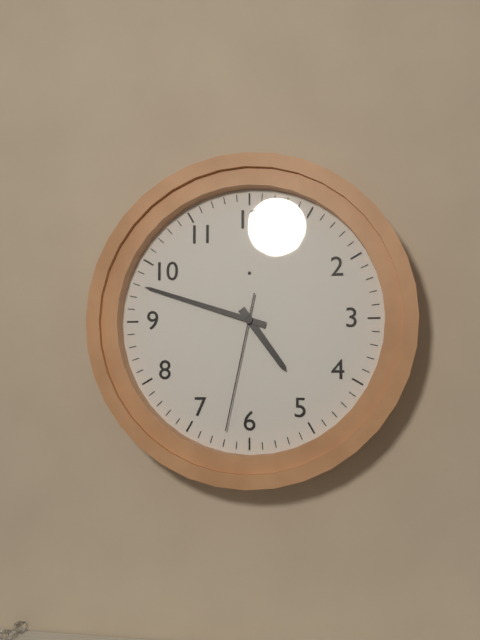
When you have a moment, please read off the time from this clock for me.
4:48:32
